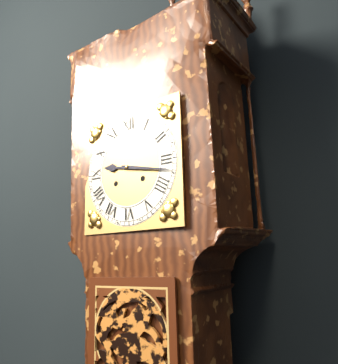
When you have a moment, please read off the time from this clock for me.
9:17
